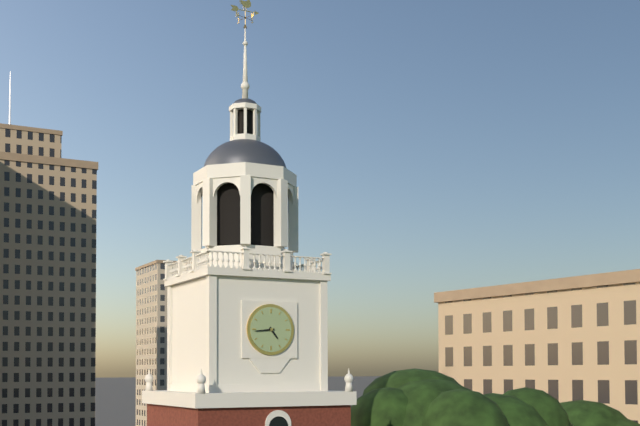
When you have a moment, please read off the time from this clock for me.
4:44
